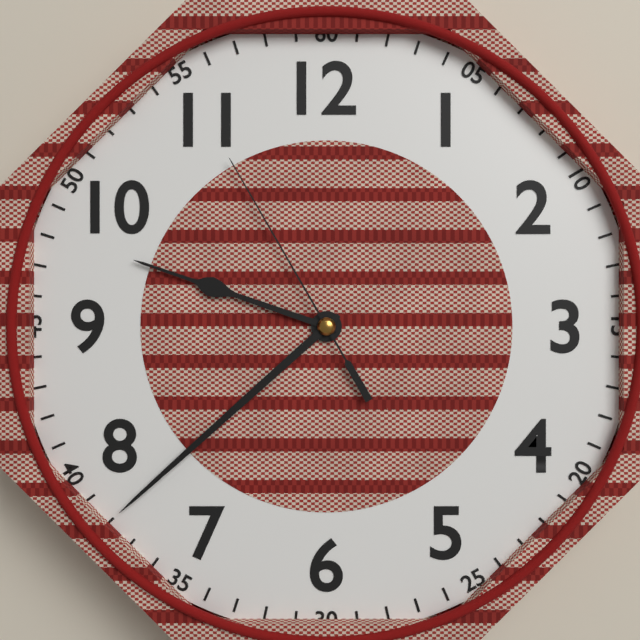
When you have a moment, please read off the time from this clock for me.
9:38:55
